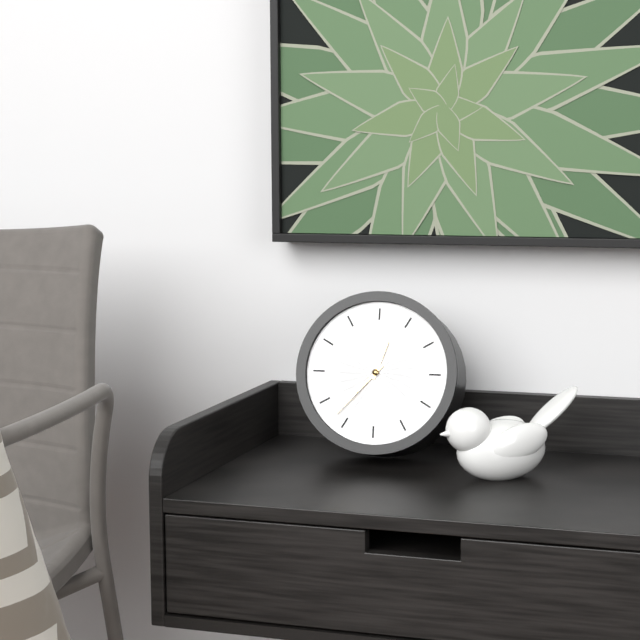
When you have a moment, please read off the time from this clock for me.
12:37
